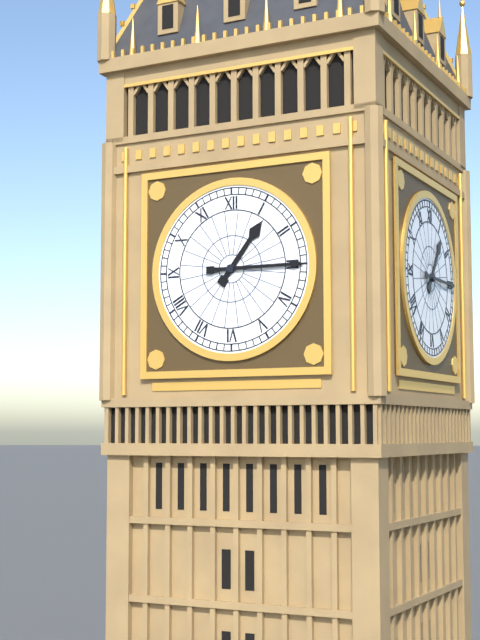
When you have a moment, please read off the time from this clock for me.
1:15
